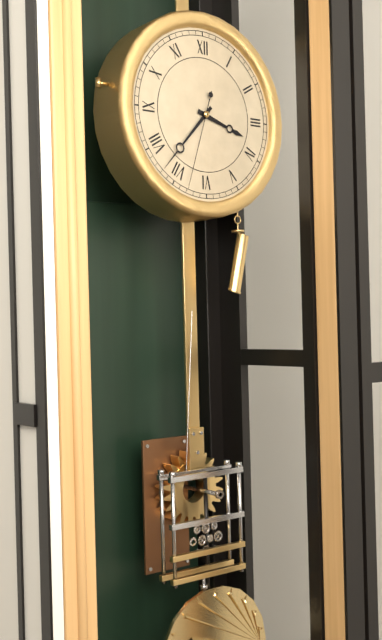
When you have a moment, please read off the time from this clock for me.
3:37:33
